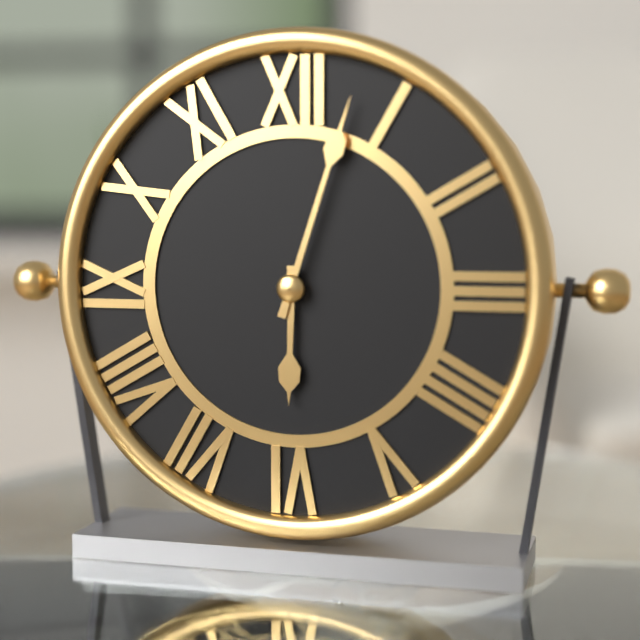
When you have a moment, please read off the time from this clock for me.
6:03
